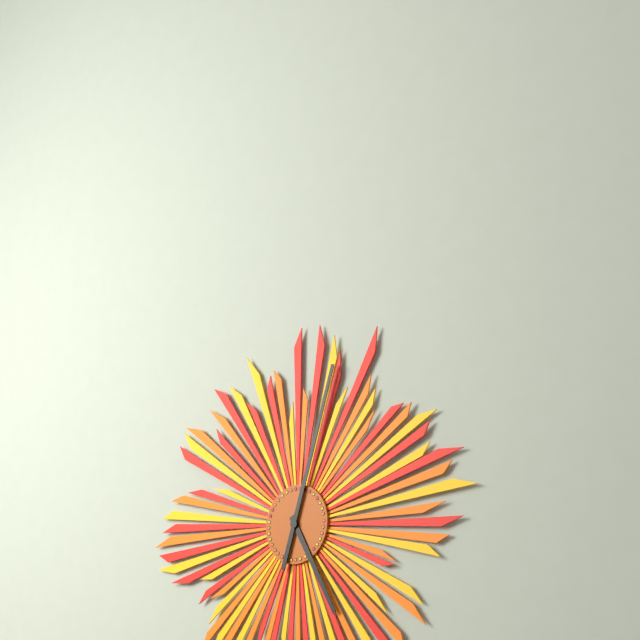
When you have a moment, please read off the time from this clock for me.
5:03
